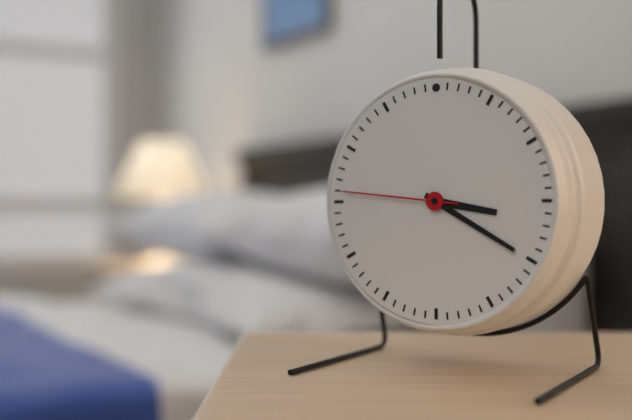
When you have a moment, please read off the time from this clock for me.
3:20:46
